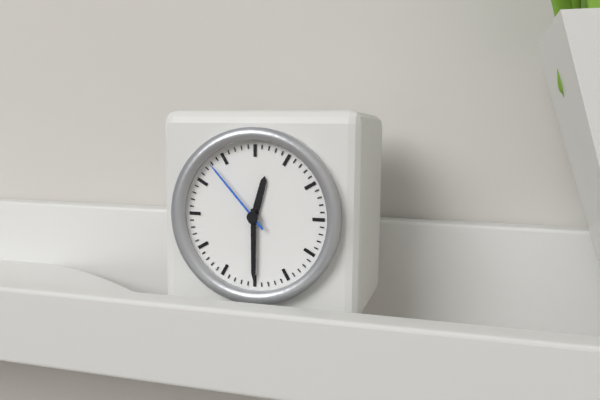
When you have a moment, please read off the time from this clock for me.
12:30:53
